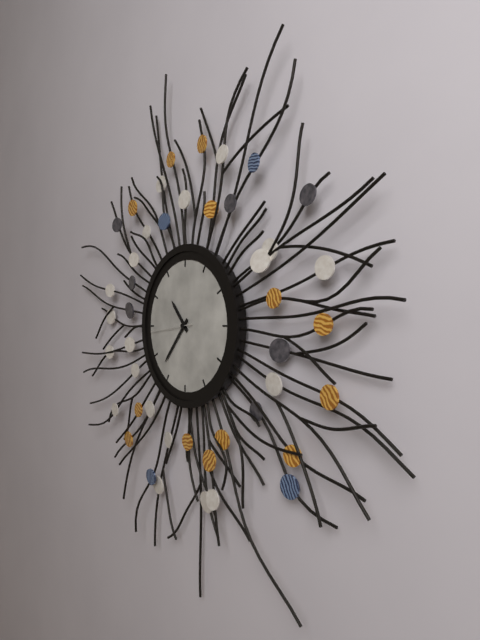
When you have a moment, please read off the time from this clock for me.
10:37
